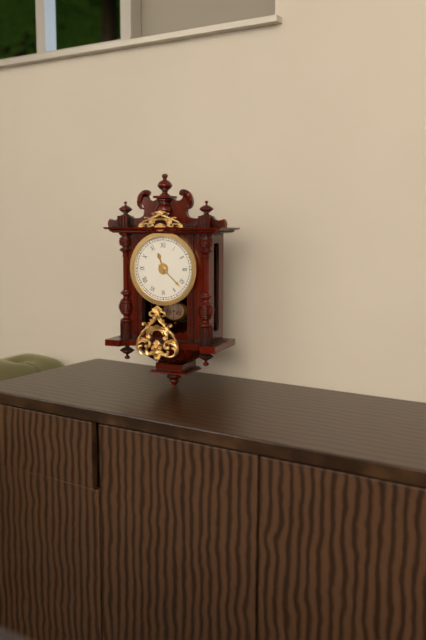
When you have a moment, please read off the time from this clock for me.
11:22
